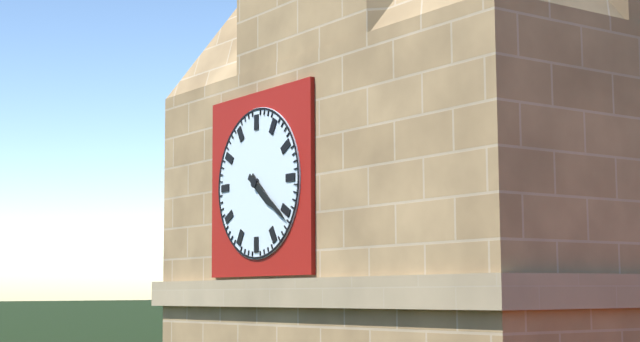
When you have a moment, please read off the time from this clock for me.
4:21
